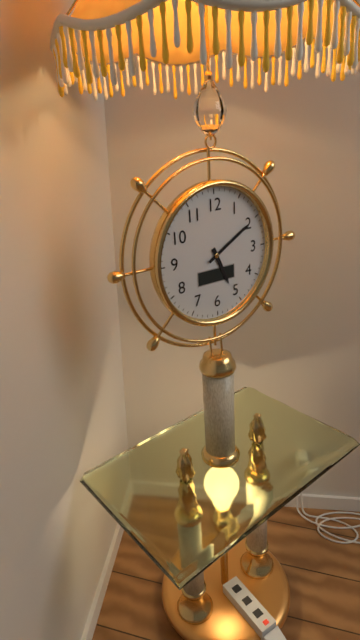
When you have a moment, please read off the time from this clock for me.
5:10
